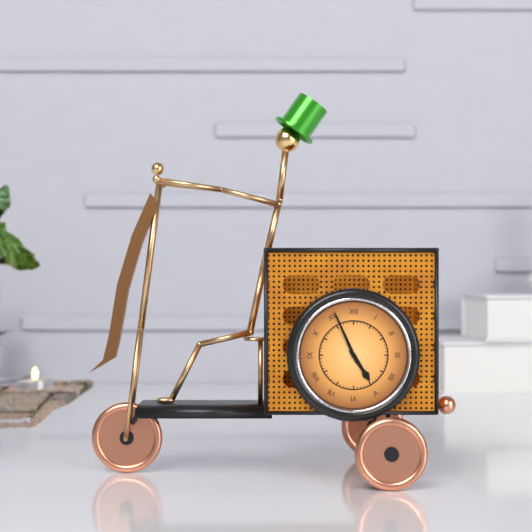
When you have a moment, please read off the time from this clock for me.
4:56
